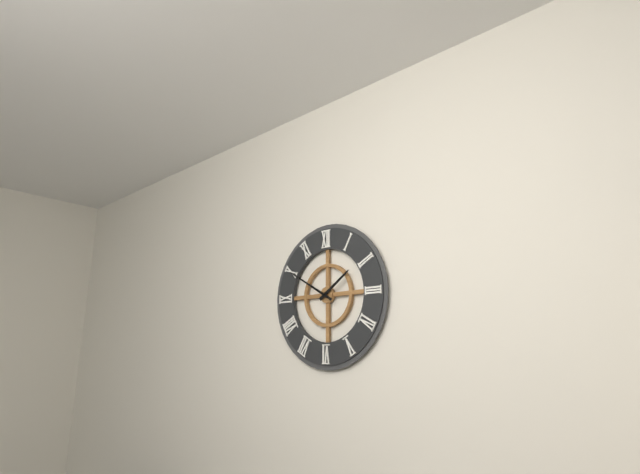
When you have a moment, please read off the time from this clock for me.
1:50
